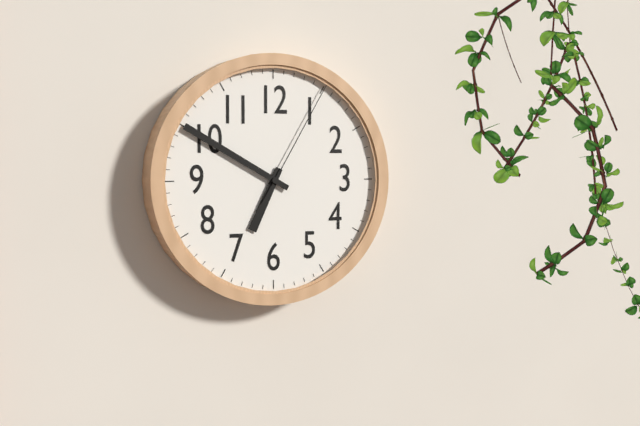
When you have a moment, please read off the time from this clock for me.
6:50:05
